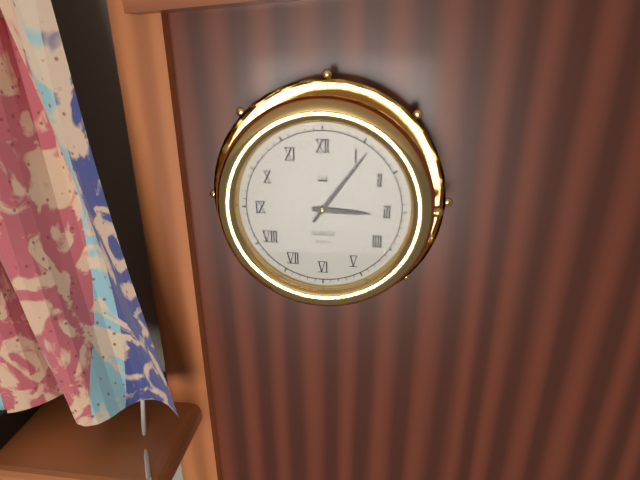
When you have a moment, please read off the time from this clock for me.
3:06
